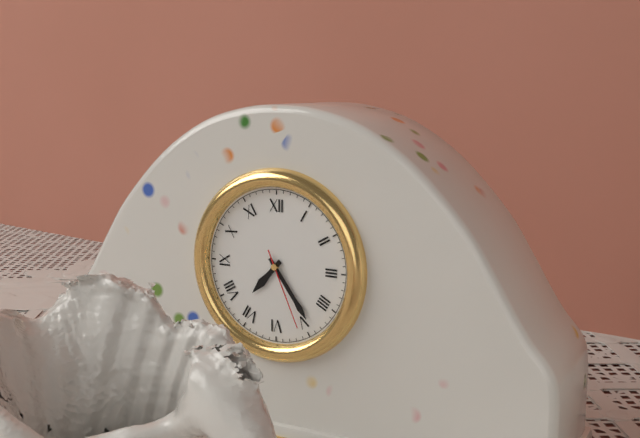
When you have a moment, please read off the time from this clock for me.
7:24:26
